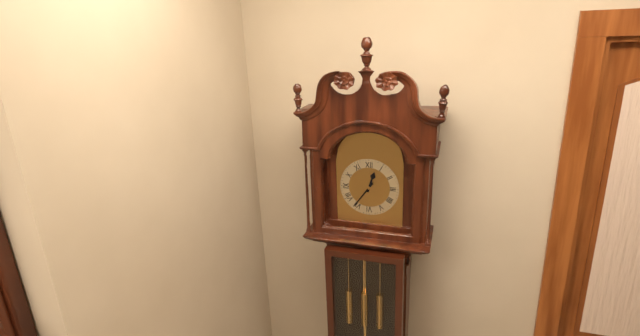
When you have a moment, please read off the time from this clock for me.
12:36
